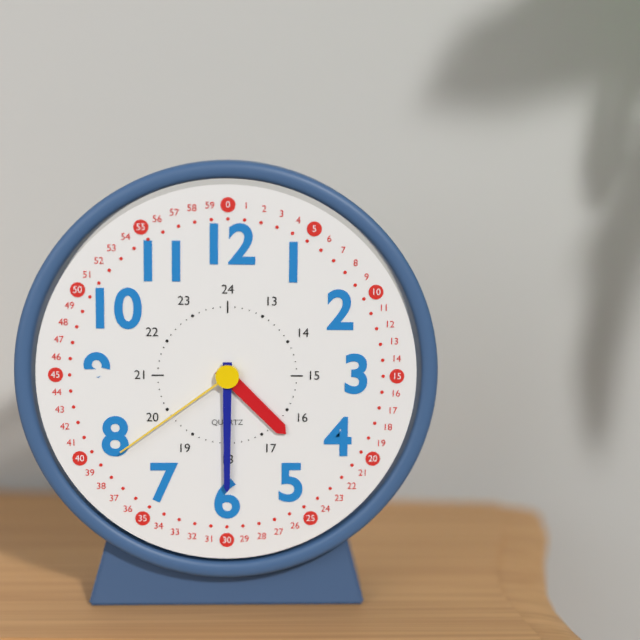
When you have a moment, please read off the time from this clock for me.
4:30:39
